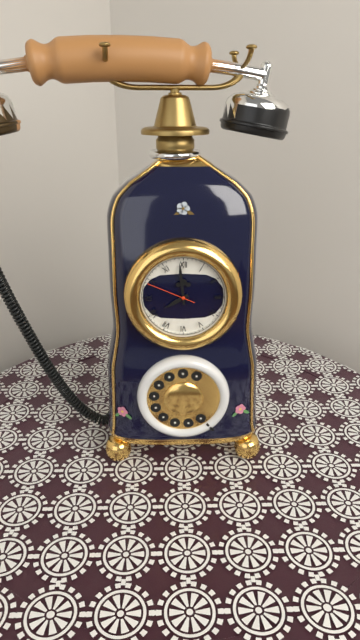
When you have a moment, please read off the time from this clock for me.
7:59
